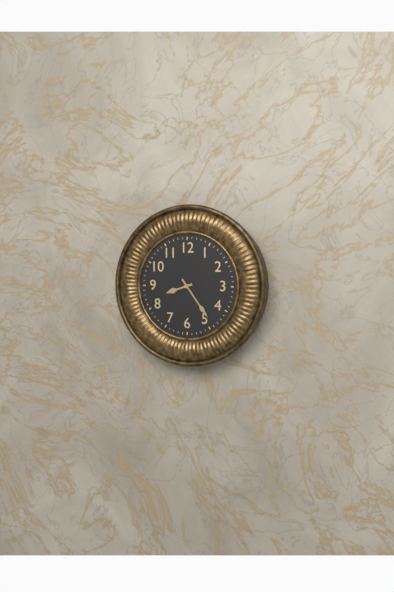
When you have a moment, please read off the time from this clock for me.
8:24
